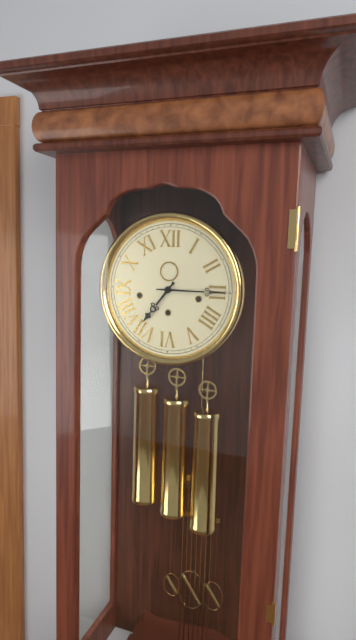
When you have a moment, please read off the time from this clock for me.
7:15
